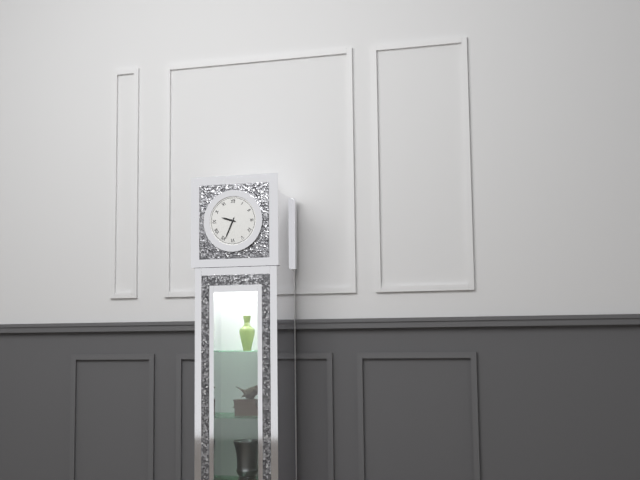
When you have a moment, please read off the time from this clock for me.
9:34
